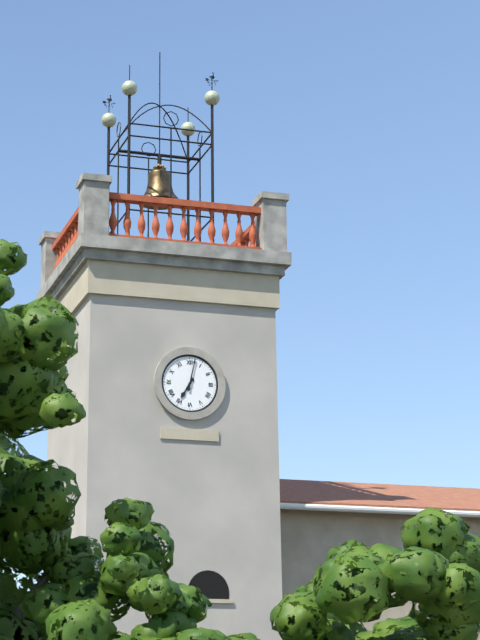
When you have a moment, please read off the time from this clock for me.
7:02
